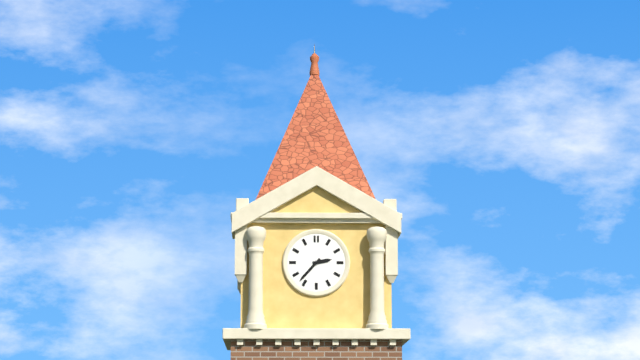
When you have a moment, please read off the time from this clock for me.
2:37
